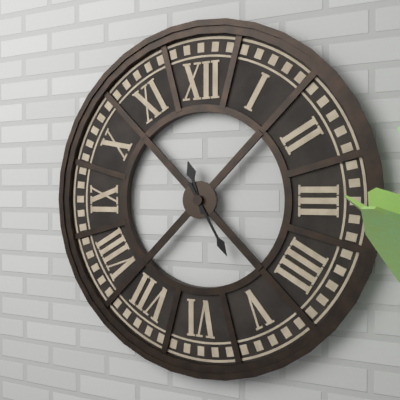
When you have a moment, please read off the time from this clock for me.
11:25
